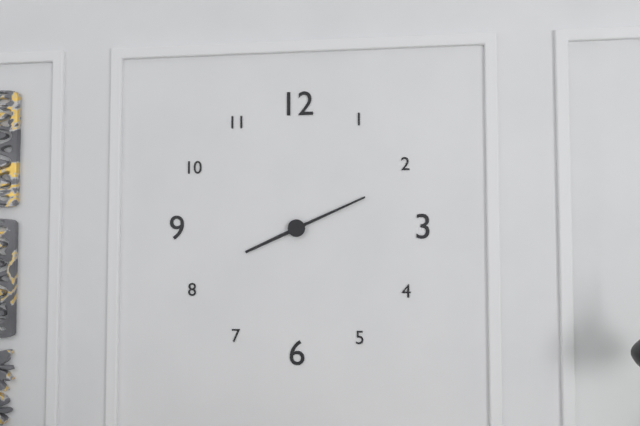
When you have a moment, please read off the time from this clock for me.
8:11
